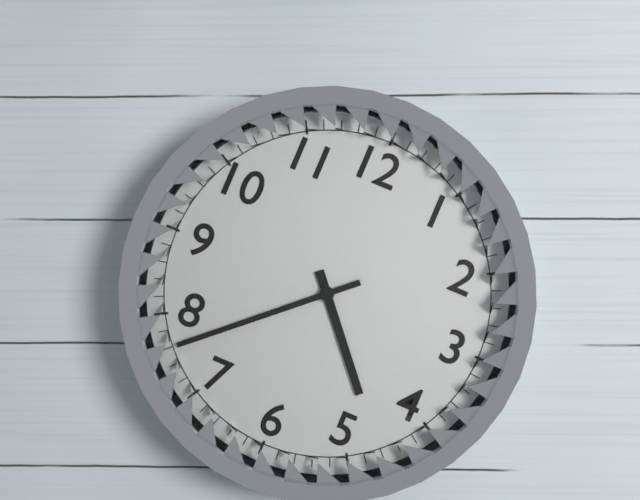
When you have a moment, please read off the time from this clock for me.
4:38
